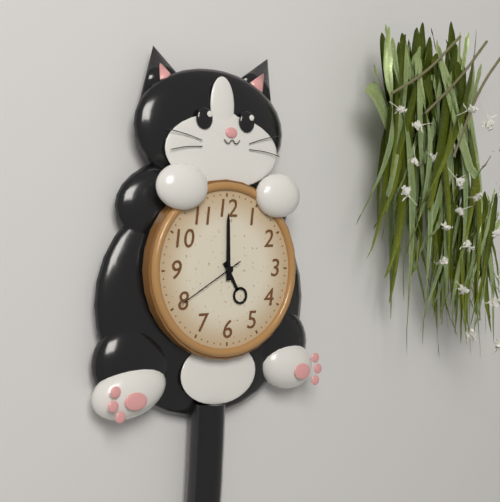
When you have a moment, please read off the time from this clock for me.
5:00:40
